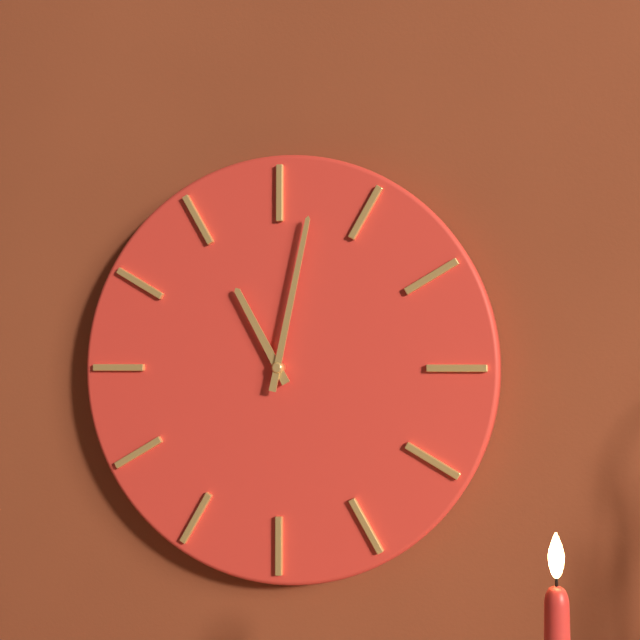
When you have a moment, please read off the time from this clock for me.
11:02
